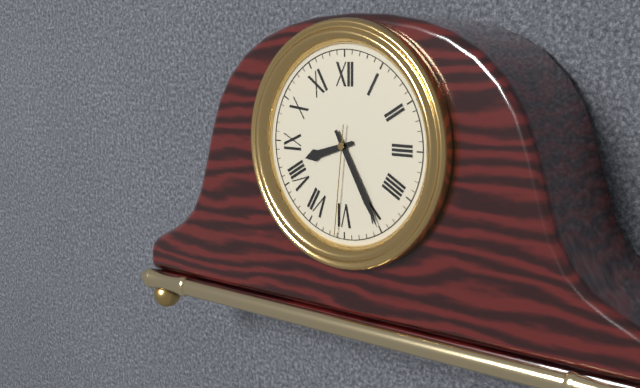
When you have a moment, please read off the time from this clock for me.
8:25:31
